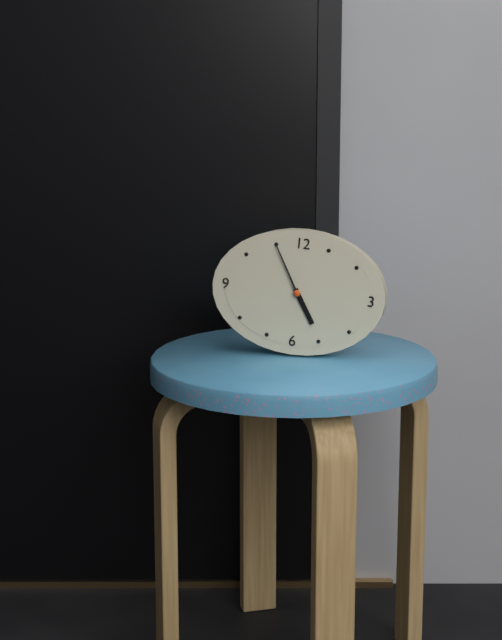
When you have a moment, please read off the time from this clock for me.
4:55
